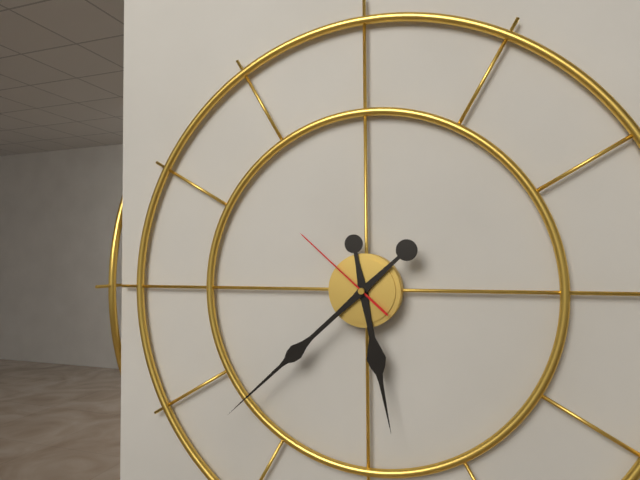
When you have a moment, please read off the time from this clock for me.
5:38:52
